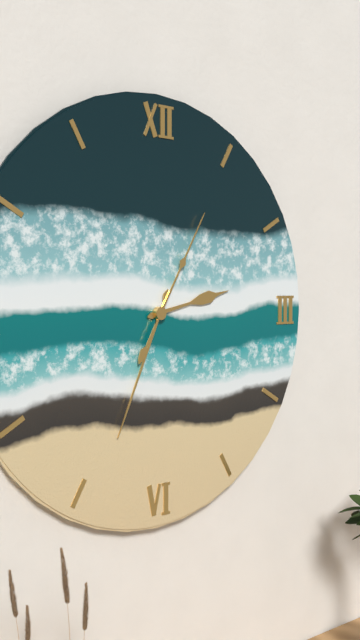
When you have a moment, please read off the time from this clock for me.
2:34:05
